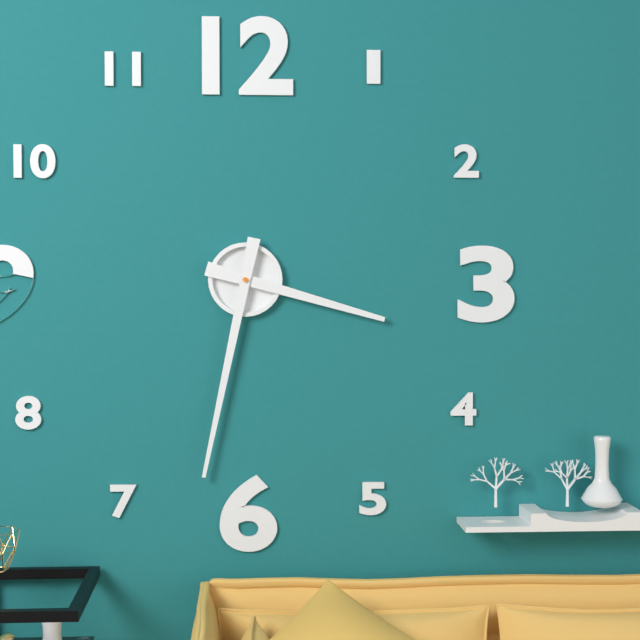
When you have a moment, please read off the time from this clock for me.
3:32
